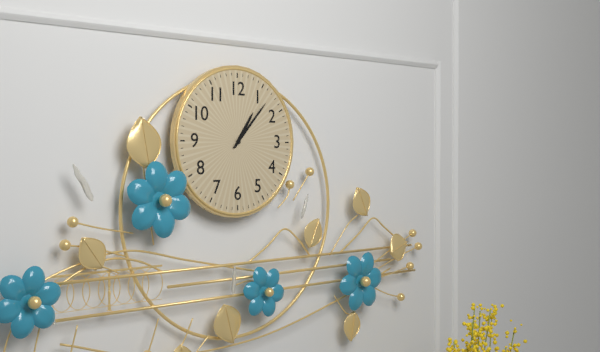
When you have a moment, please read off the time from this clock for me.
1:07
